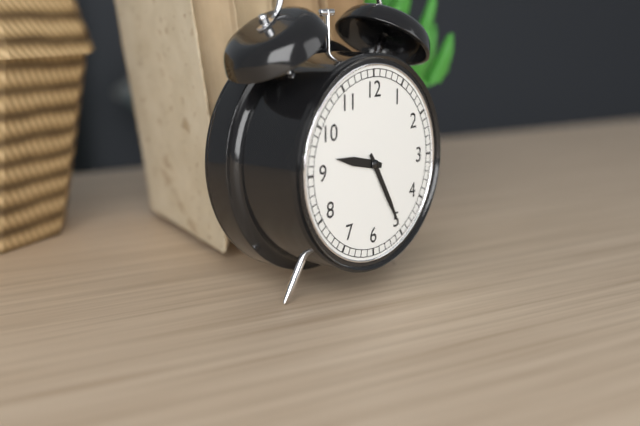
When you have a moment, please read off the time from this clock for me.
9:25
